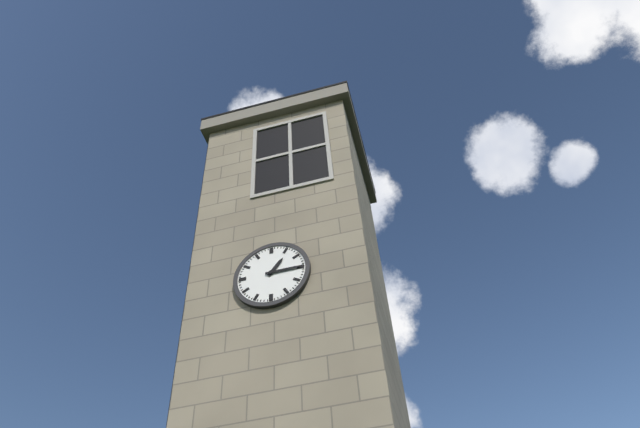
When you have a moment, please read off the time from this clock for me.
1:15
